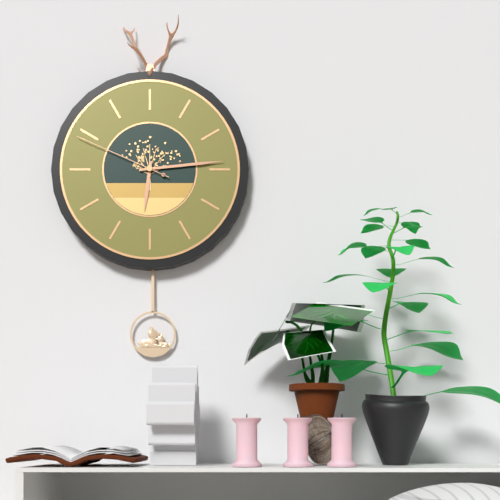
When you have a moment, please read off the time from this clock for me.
6:14:49
